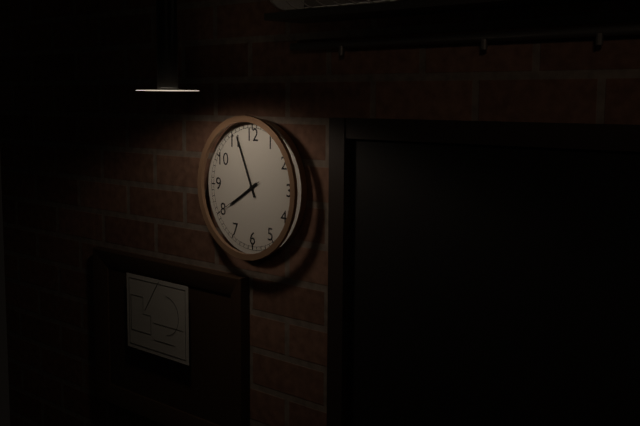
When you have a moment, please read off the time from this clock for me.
7:56
